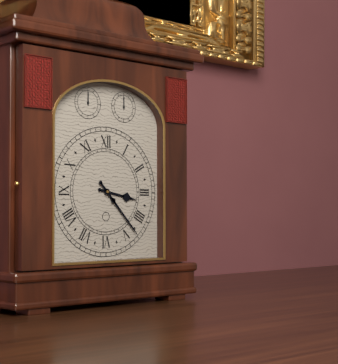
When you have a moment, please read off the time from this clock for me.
3:23
